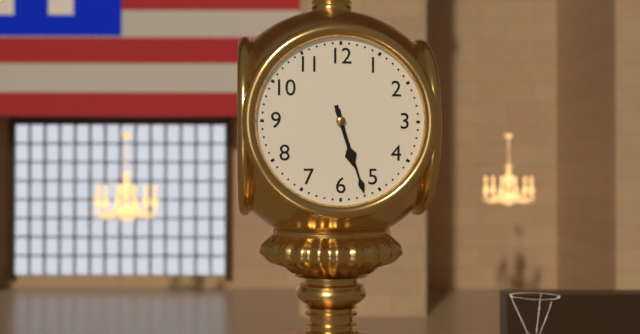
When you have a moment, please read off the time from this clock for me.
5:27
